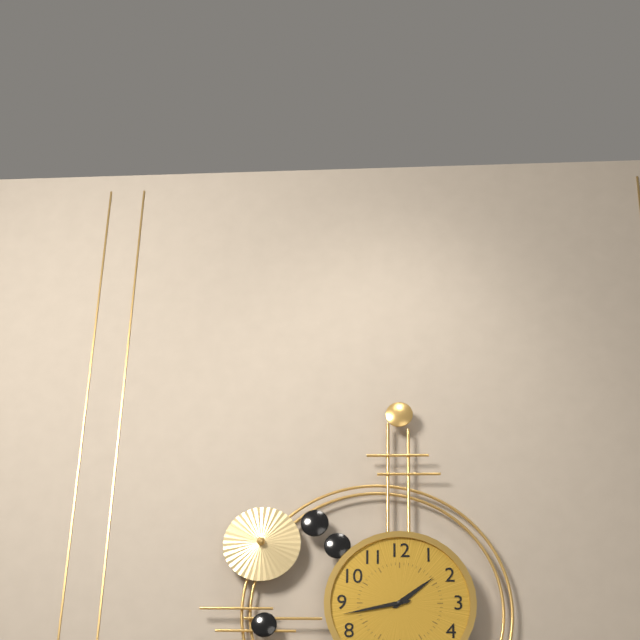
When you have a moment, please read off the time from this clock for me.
1:43
